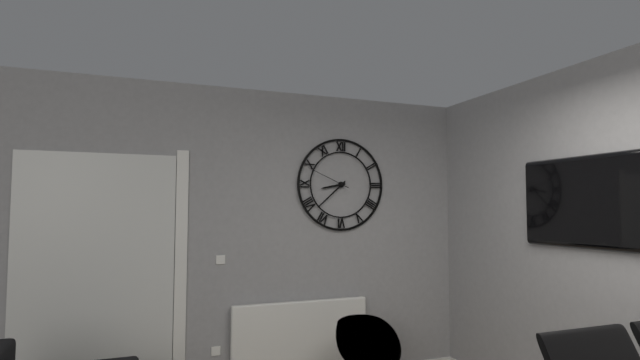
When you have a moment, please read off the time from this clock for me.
8:38
